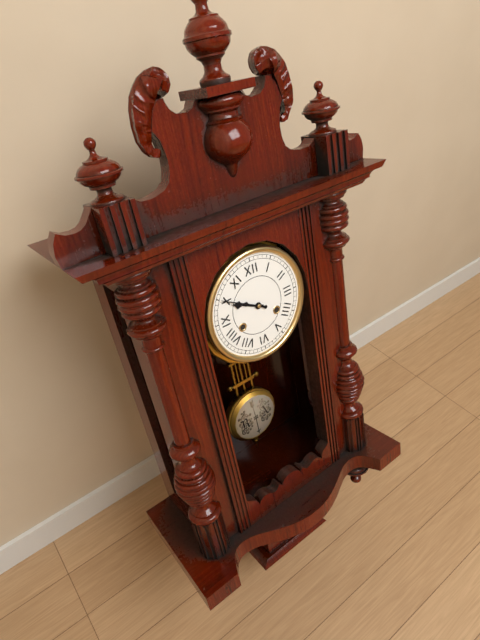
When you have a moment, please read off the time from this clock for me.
9:50
